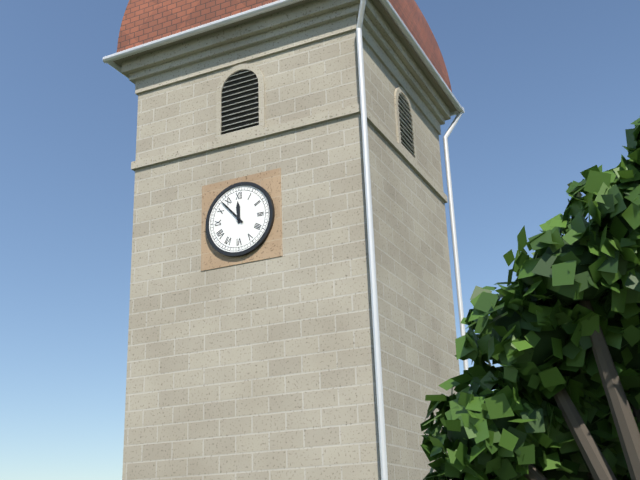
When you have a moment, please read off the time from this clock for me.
11:53
